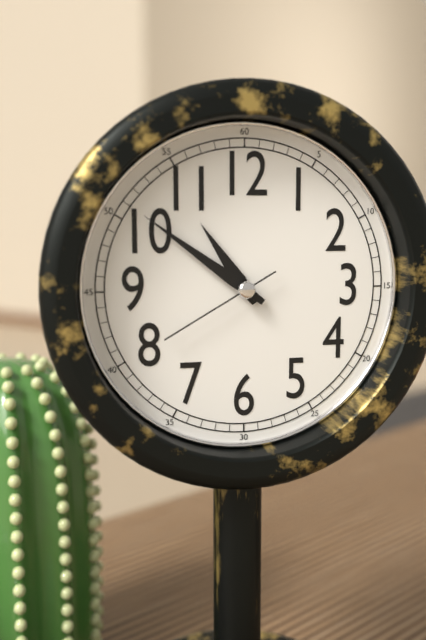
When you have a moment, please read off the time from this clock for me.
10:51:40
